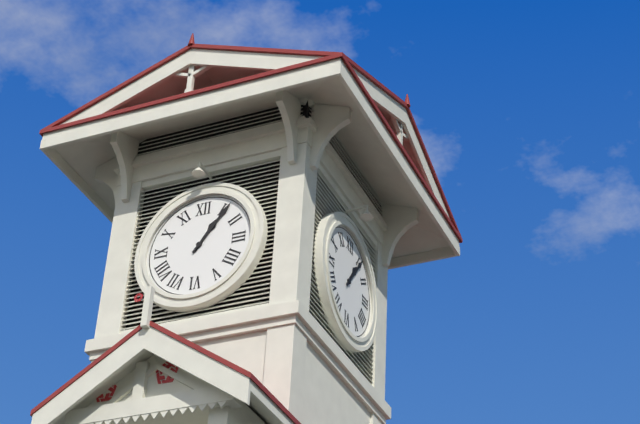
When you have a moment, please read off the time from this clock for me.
1:06
